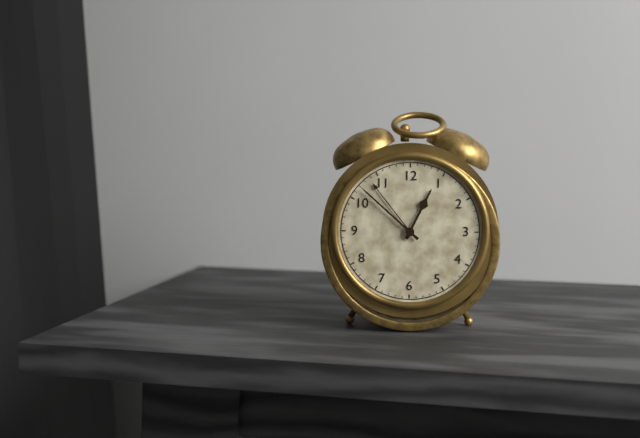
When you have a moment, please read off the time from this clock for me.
12:52
